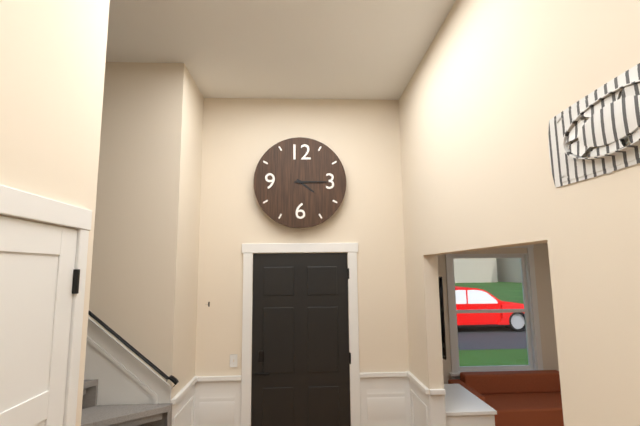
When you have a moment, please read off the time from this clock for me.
4:15
